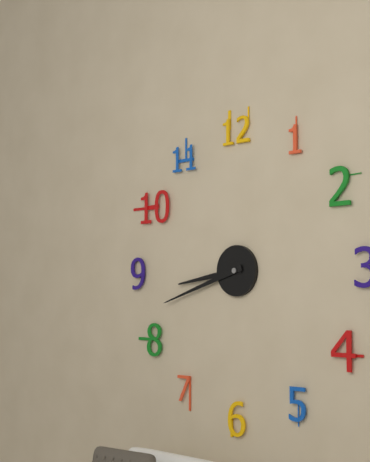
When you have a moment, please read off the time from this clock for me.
8:42
